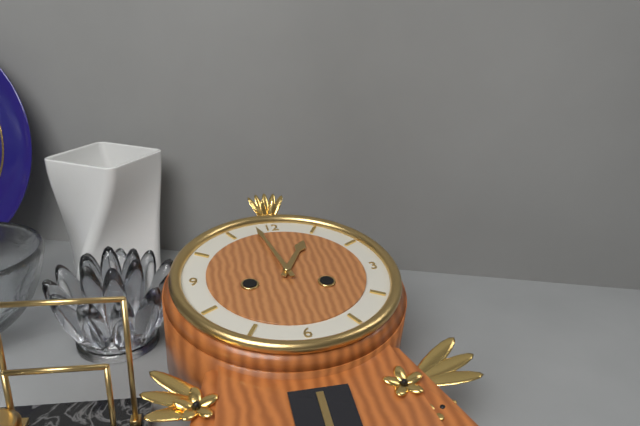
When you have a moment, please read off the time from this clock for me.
12:58
